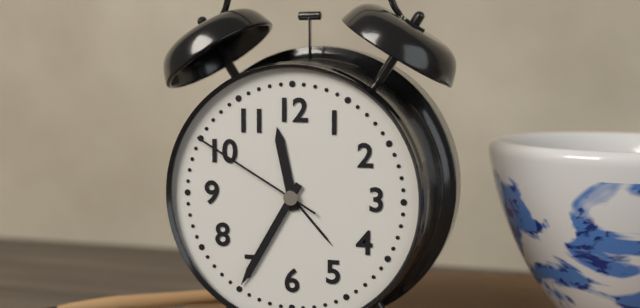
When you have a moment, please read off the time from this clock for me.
11:35:50
